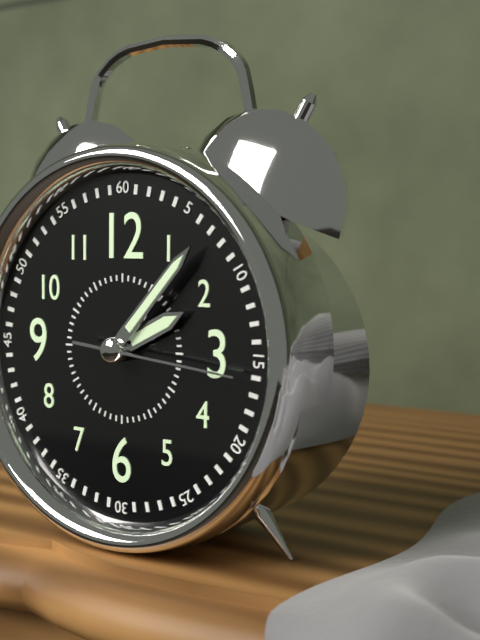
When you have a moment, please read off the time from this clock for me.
2:07:16
